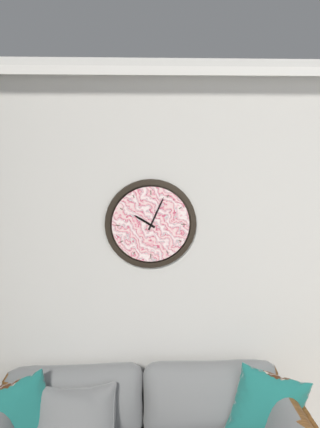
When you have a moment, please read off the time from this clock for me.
10:04
